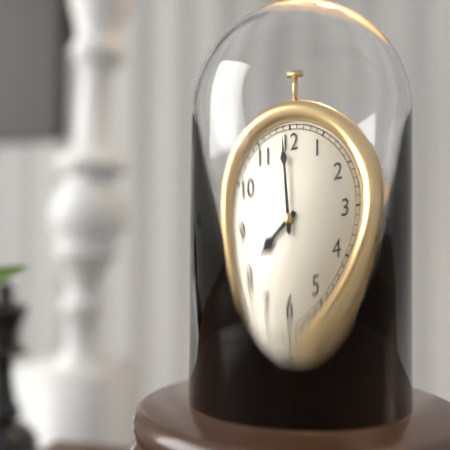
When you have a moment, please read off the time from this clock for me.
7:59
